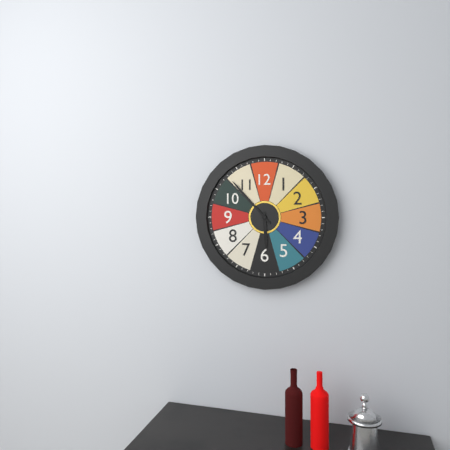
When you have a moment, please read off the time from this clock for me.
5:53
